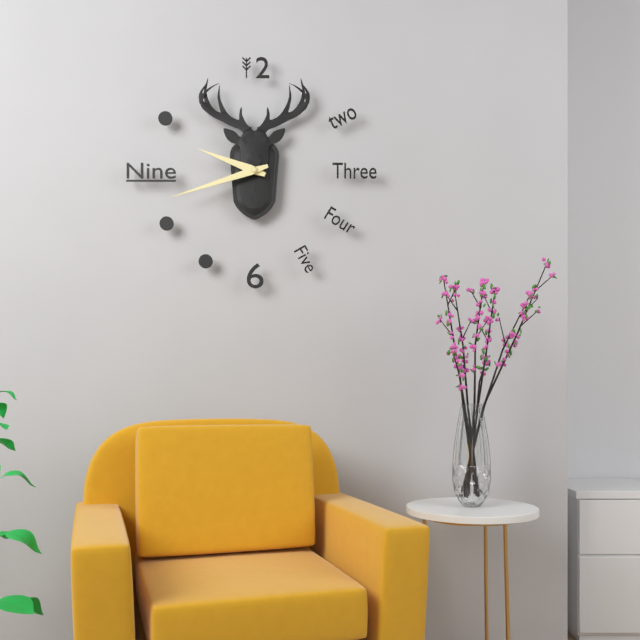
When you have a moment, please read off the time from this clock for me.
9:42
